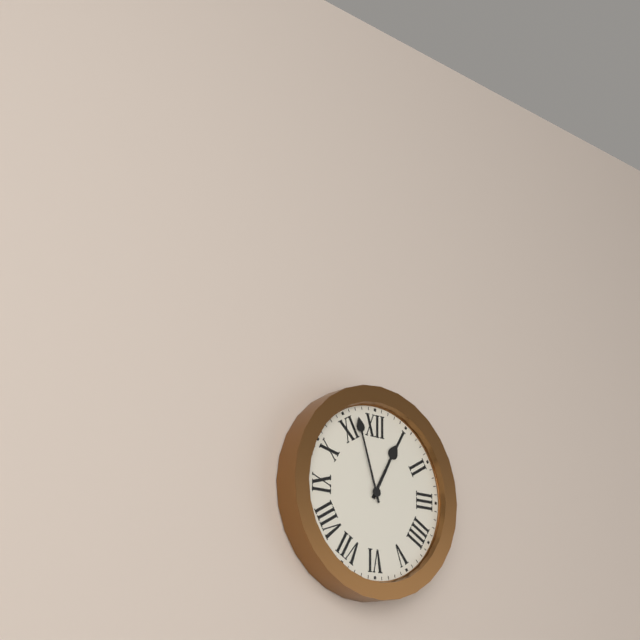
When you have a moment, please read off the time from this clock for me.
12:57
